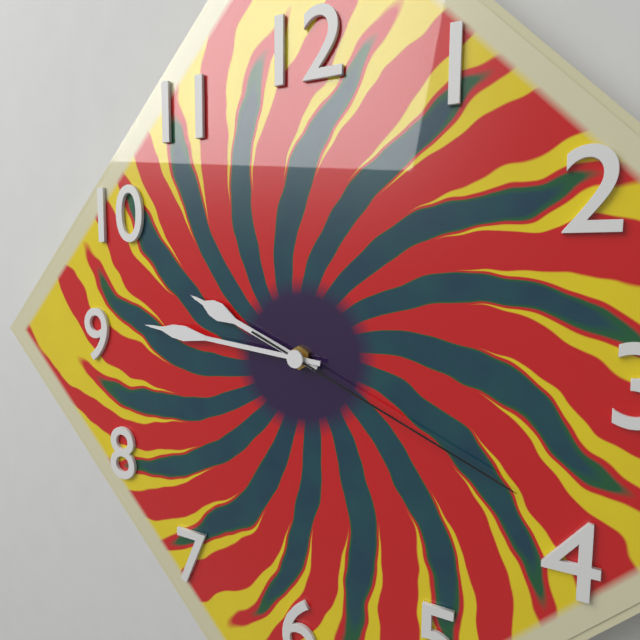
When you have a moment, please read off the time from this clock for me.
9:46:19
